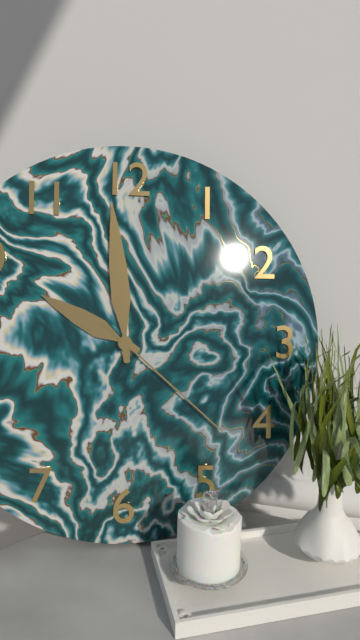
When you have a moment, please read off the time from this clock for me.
9:59:22
